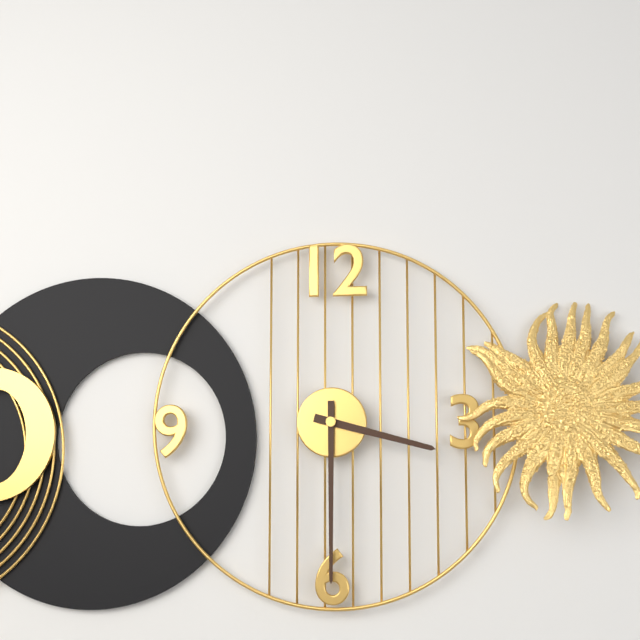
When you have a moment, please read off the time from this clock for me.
3:30
